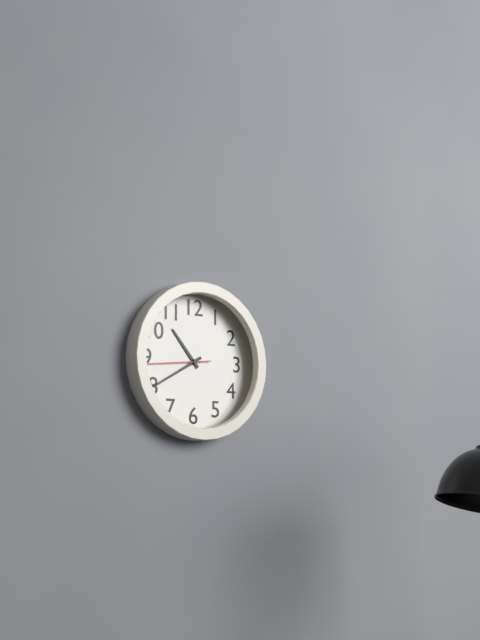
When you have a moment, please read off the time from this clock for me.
10:40:44
